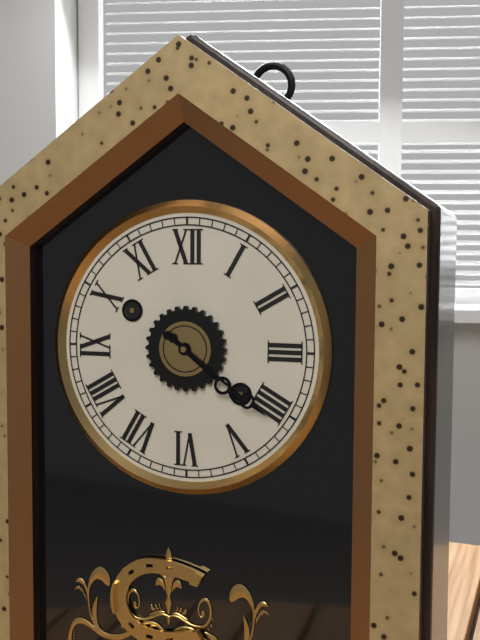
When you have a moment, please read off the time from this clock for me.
4:21
